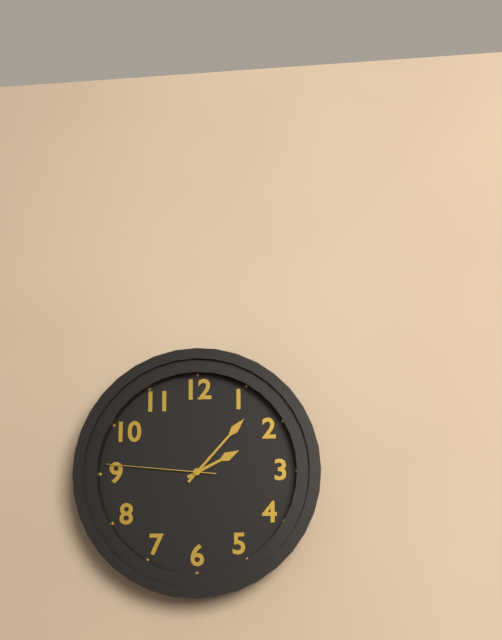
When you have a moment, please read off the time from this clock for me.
2:07:46
